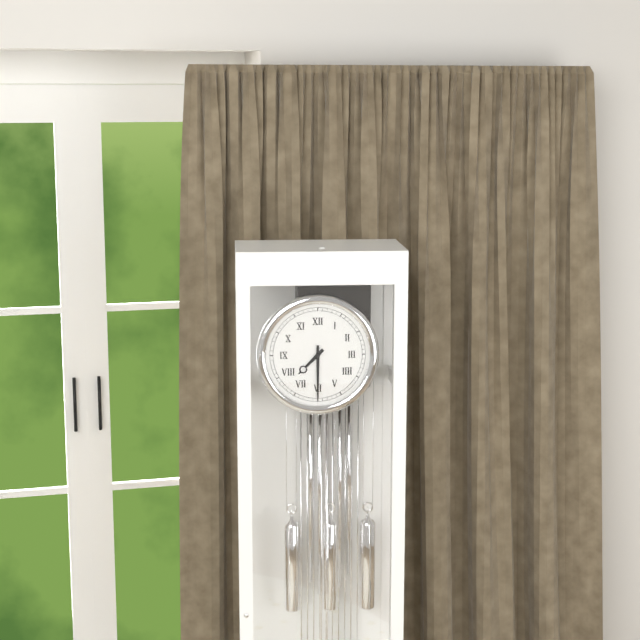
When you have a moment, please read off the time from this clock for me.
7:30
